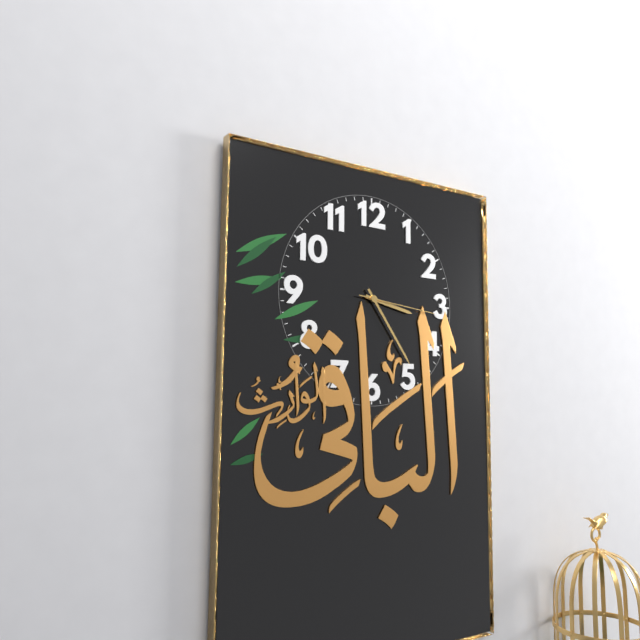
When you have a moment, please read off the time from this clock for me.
3:24:16
